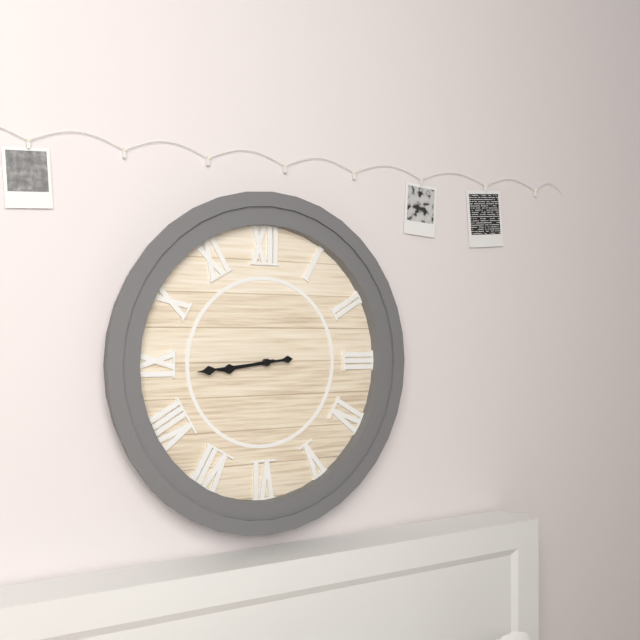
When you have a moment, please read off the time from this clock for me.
8:44
